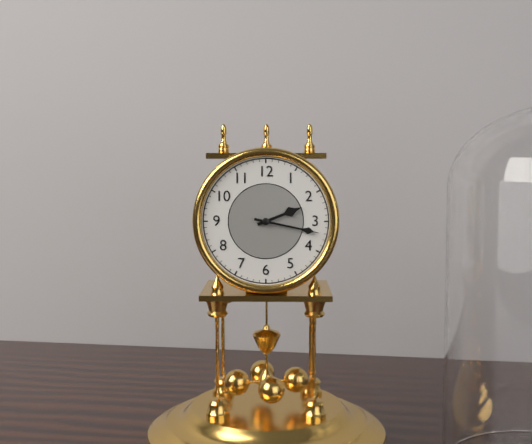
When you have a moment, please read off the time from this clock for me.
2:17
